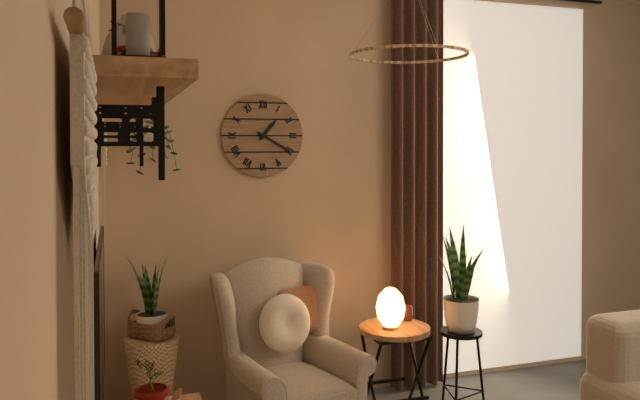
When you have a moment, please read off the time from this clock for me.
1:20
